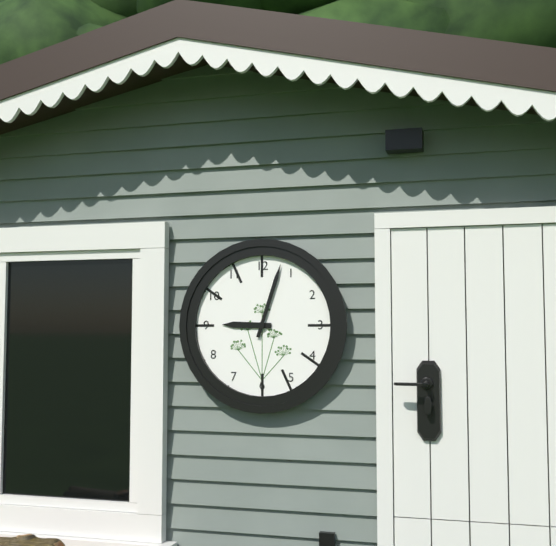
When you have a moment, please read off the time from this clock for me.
9:03
